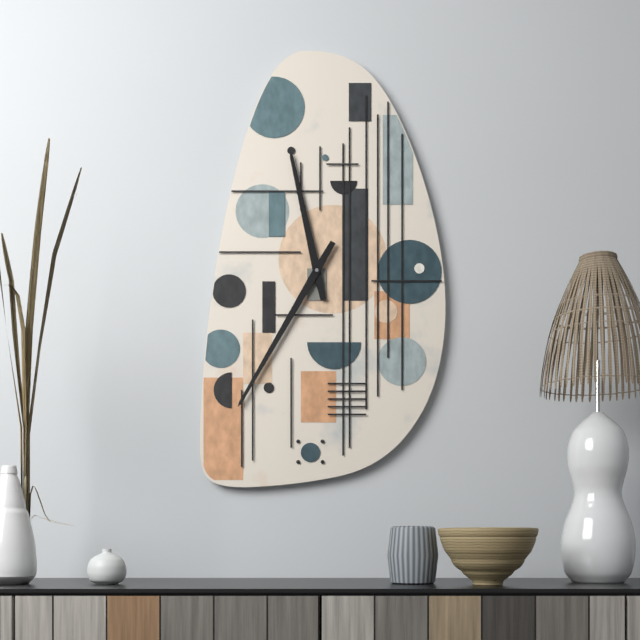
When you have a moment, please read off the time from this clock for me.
11:35
